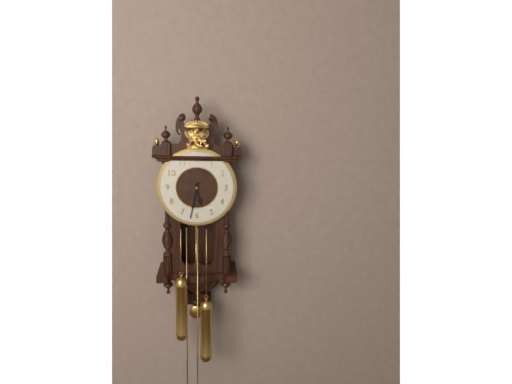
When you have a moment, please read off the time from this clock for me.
5:32
